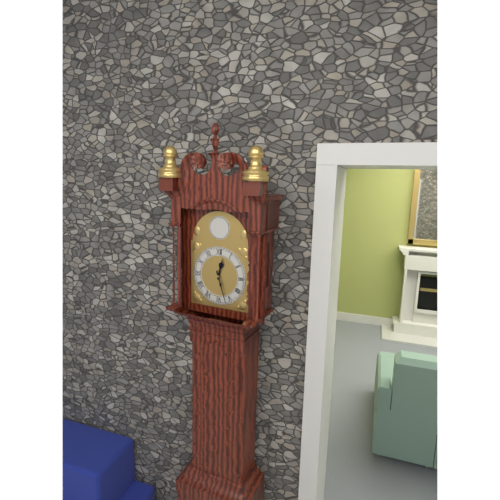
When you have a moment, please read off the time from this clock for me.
12:27
